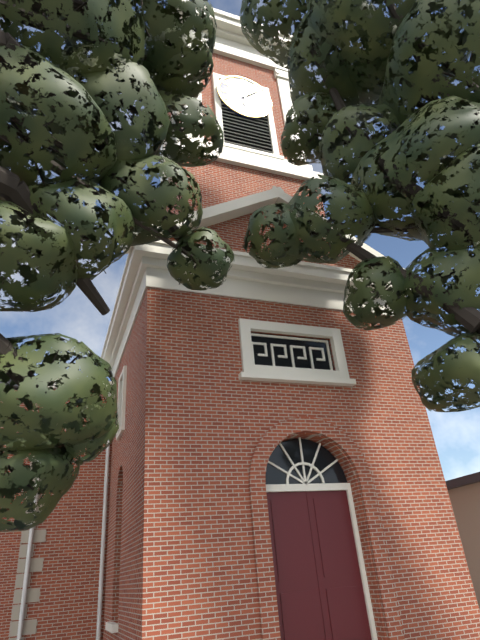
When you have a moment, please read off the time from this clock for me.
6:08
